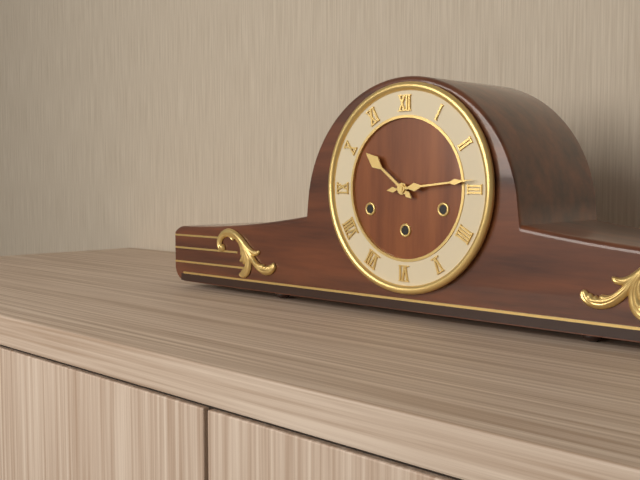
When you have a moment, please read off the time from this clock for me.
10:14
